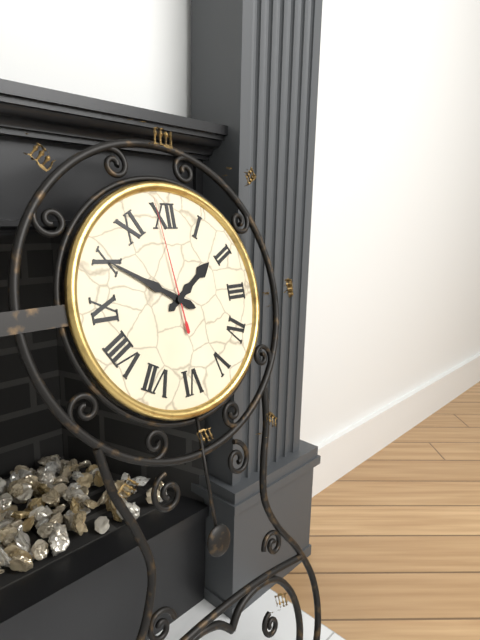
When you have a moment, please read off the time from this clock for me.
1:50:59
